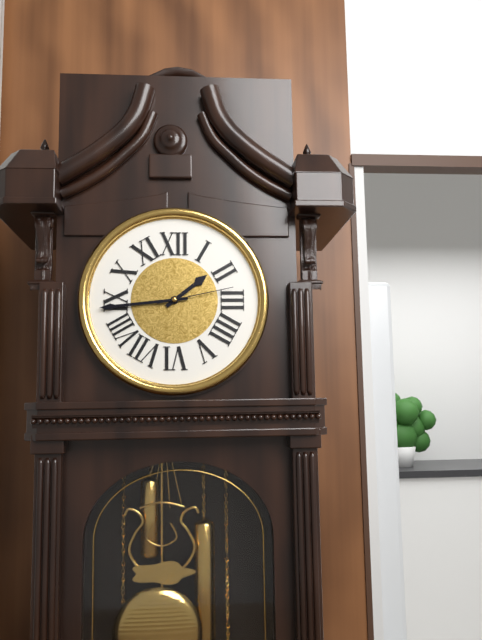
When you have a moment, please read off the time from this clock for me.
1:44:13
